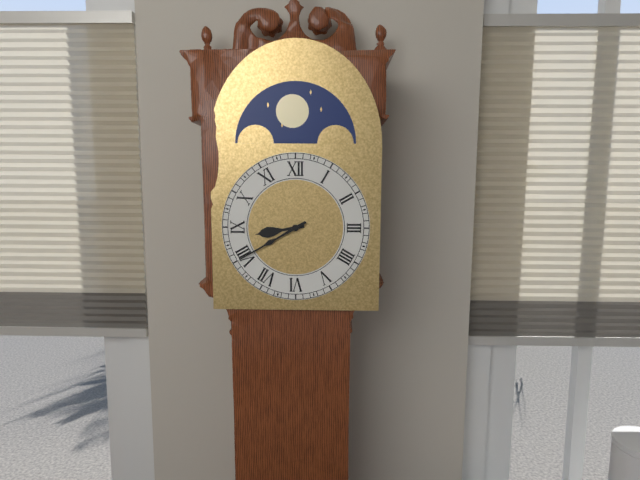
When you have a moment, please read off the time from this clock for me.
8:40
